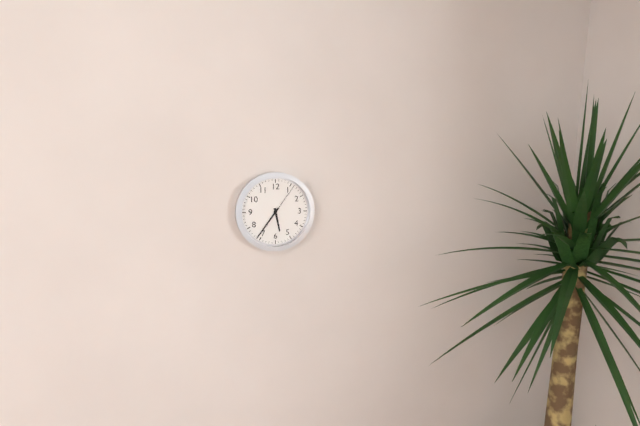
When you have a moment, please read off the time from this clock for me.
5:36
